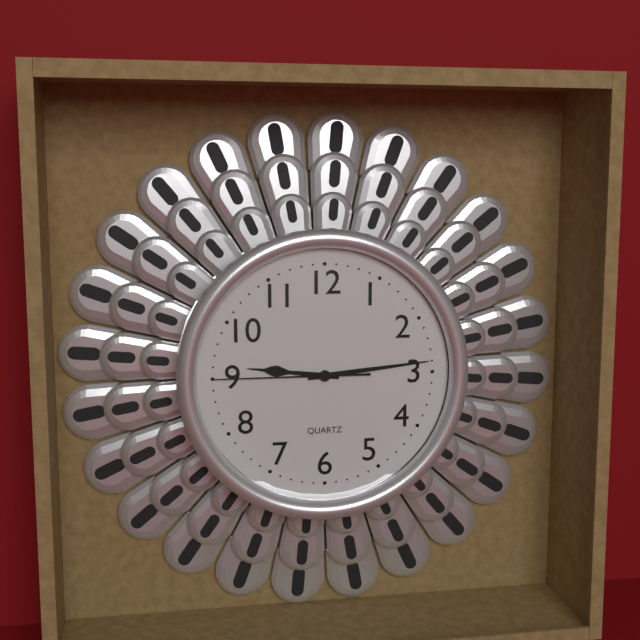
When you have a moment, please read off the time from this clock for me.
9:14:45
